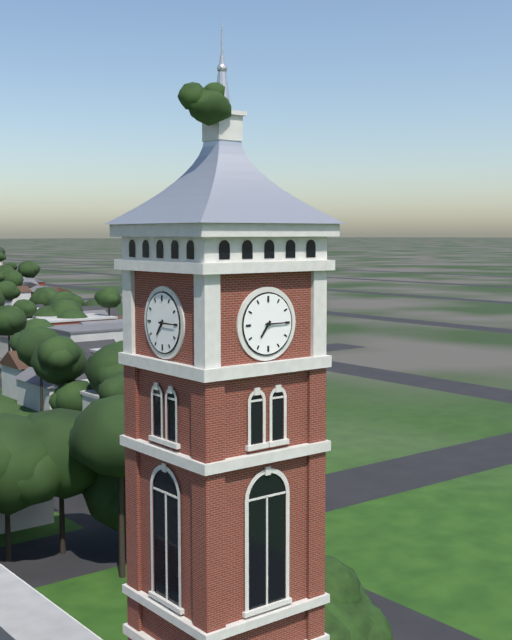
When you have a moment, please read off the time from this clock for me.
7:15
